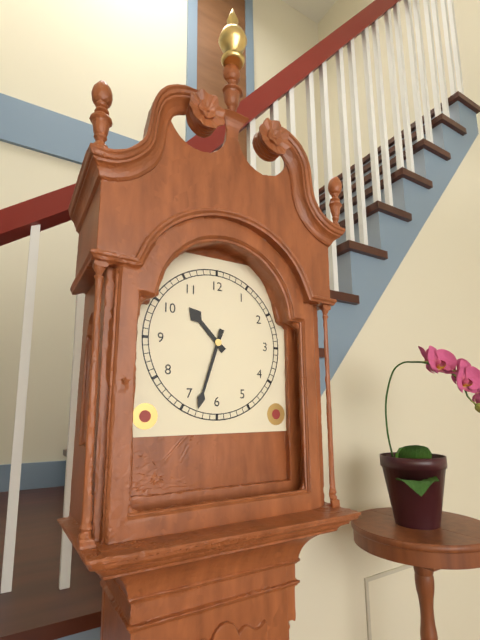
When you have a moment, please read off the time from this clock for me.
10:33
